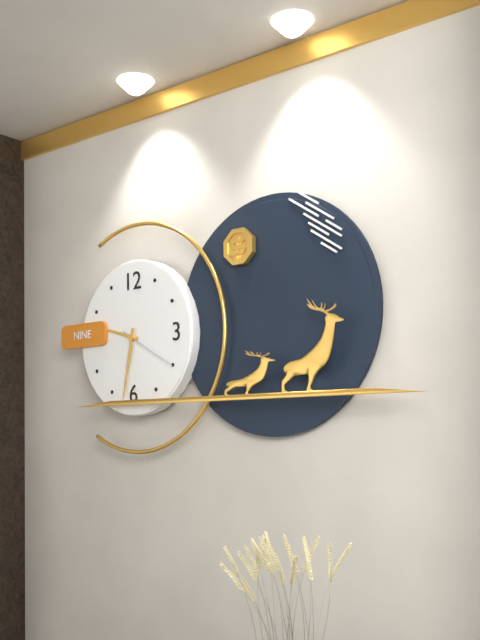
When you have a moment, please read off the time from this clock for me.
9:32:20
